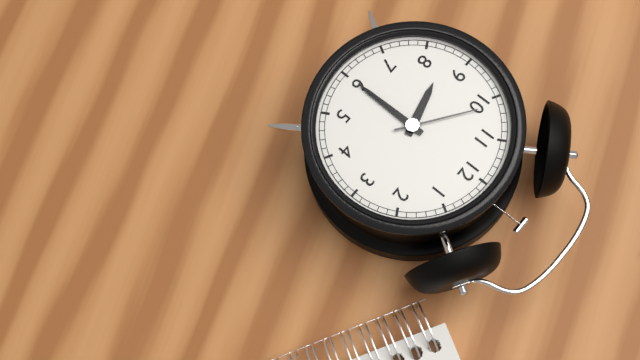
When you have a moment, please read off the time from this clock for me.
8:30:51
